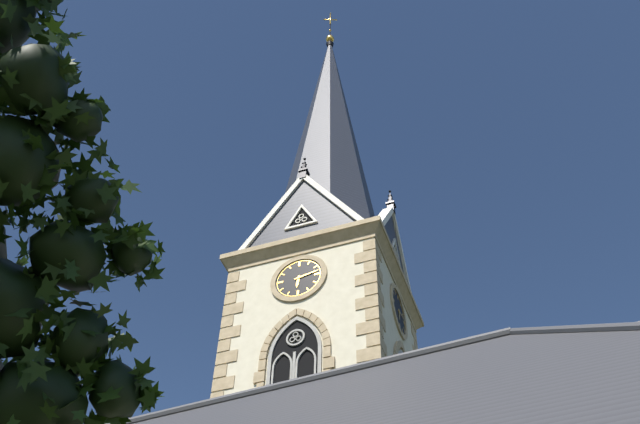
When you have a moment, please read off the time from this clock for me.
6:13
